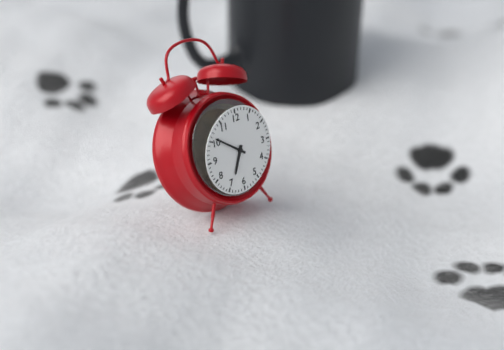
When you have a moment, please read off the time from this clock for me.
6:51
